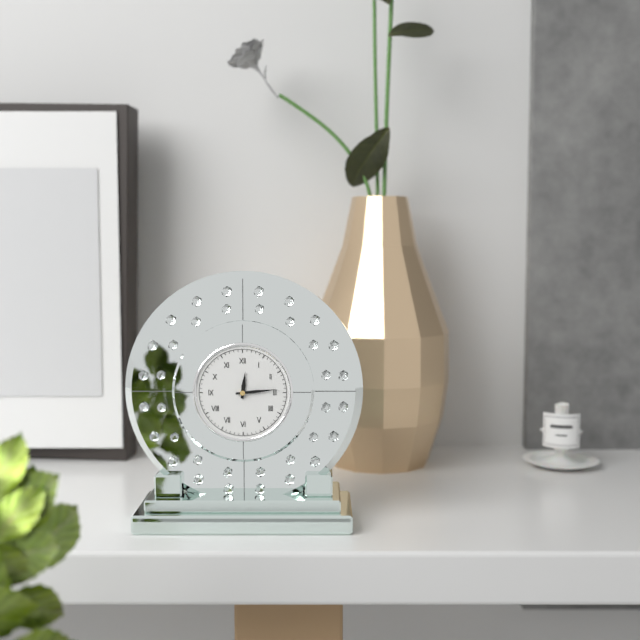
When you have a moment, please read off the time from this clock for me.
12:14
